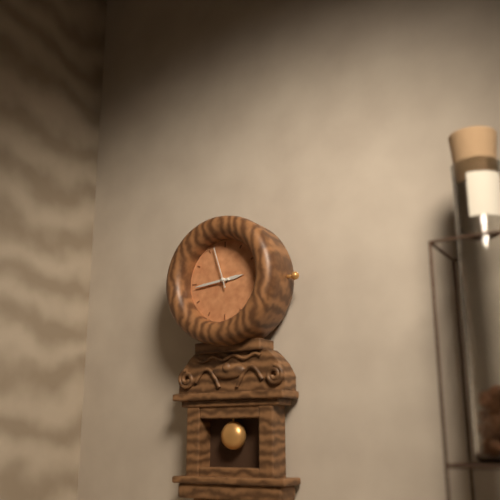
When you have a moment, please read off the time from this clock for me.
2:44:57
